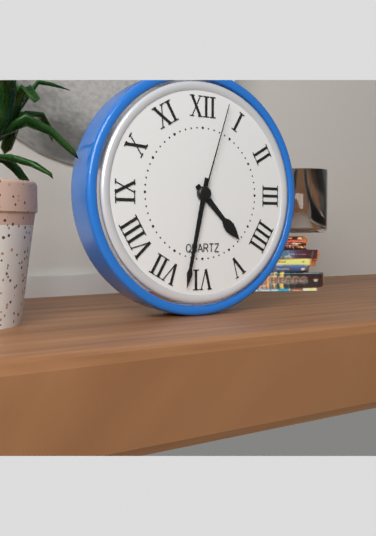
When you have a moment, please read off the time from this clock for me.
4:32:03
